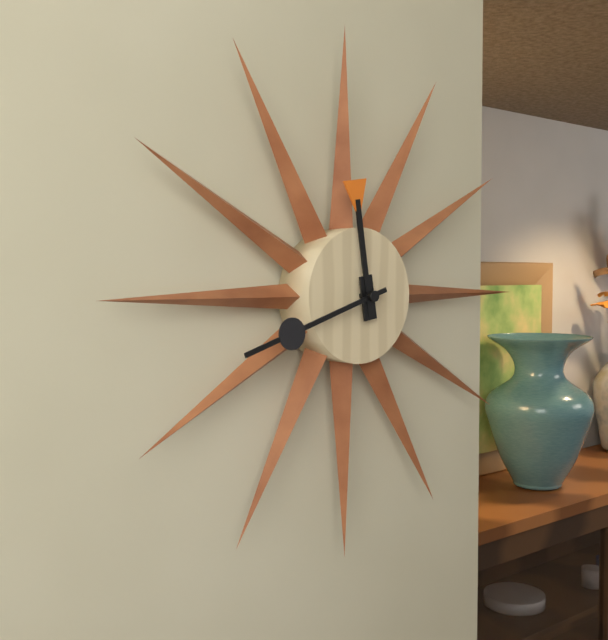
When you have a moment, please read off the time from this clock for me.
11:42
